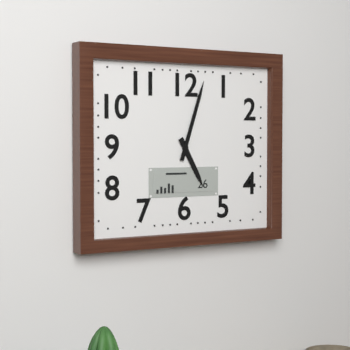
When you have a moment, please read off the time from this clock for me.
5:03
